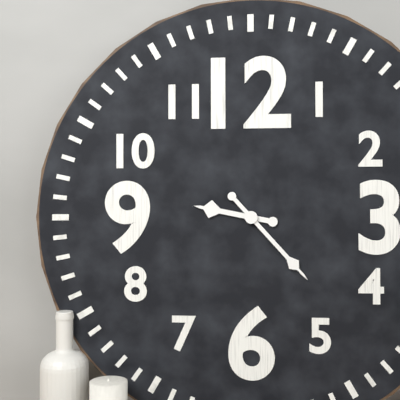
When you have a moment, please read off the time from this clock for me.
9:23
